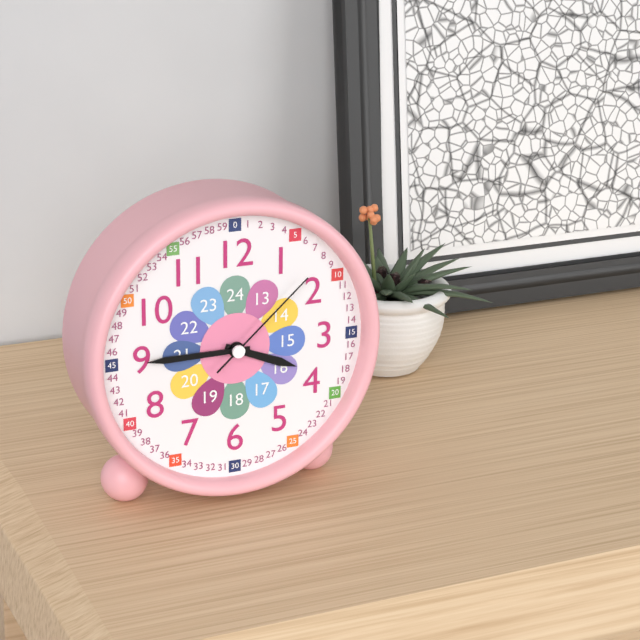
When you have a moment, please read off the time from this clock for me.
3:45:08
